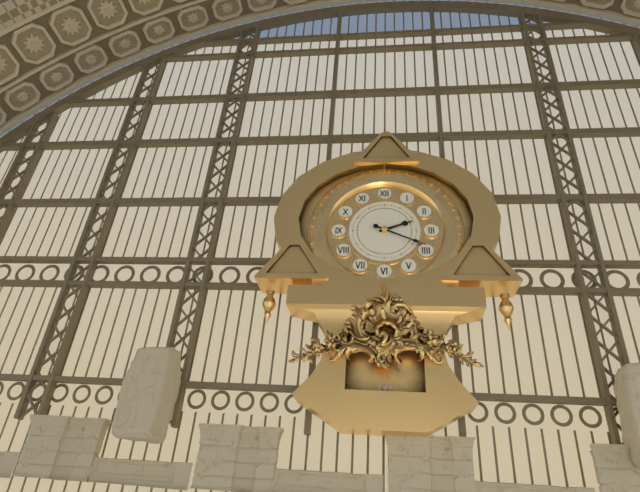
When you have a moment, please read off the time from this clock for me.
2:19
